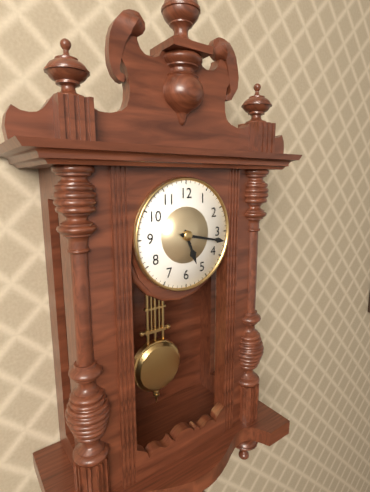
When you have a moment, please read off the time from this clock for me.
5:17
